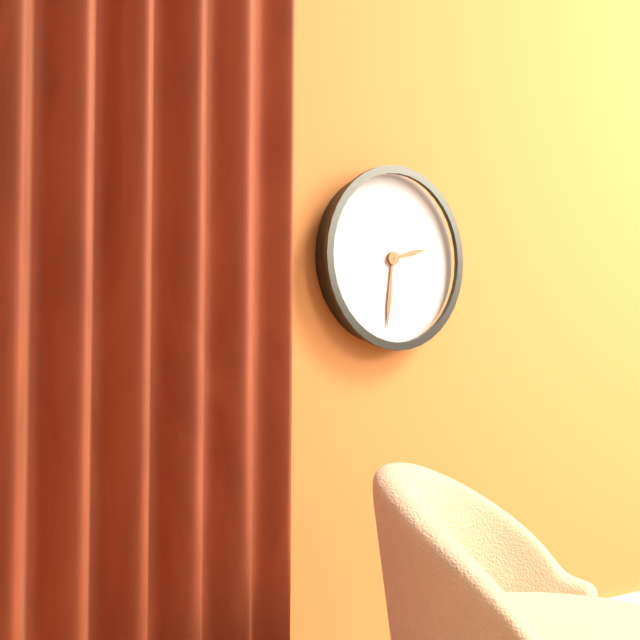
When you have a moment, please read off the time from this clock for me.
2:31
